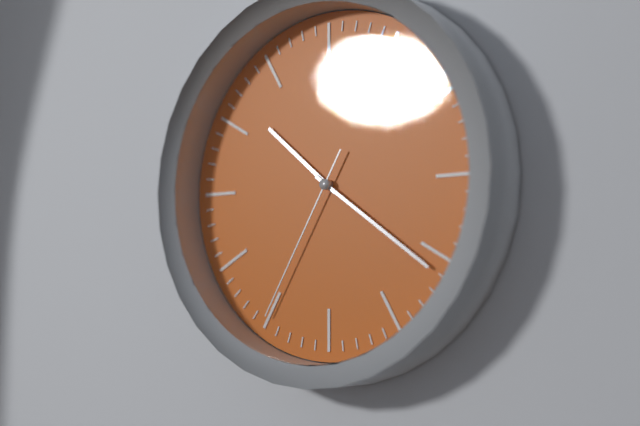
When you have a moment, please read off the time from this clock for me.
10:21:35
